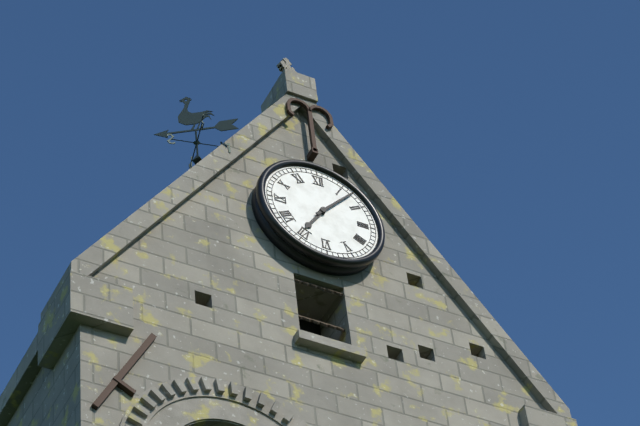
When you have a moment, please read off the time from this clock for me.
7:07
